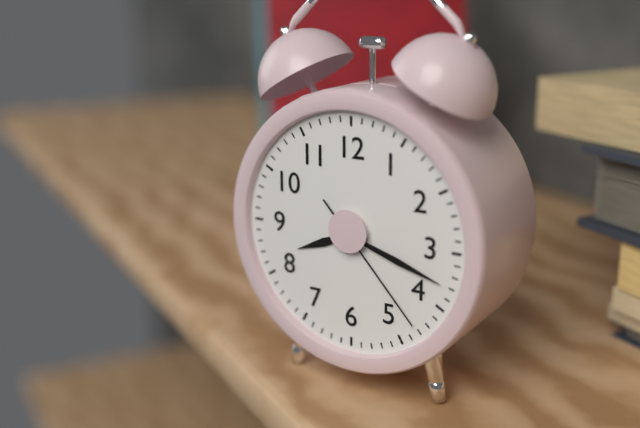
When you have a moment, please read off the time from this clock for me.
8:18:23
